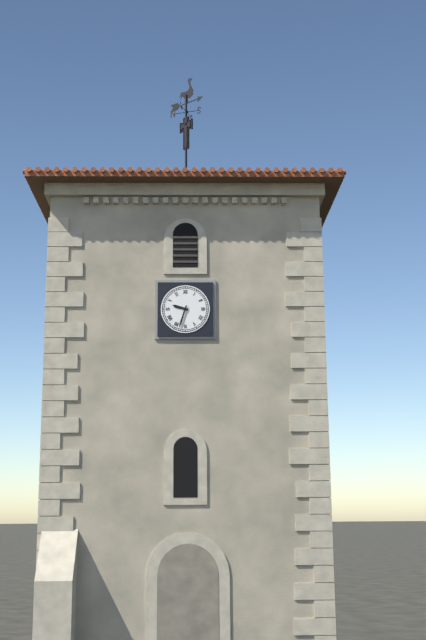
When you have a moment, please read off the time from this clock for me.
9:33
